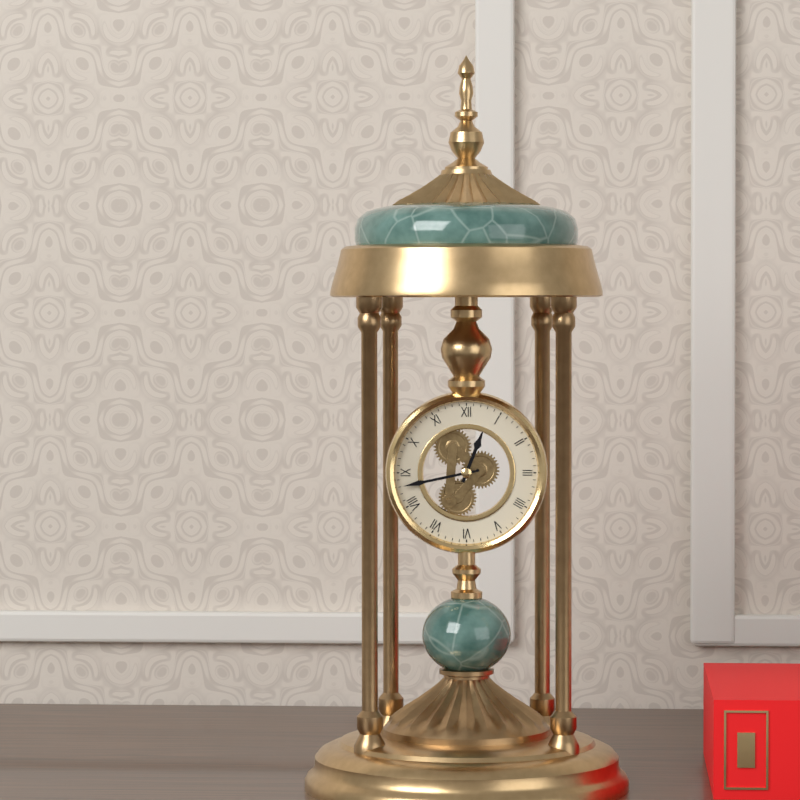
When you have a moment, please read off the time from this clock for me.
12:43
